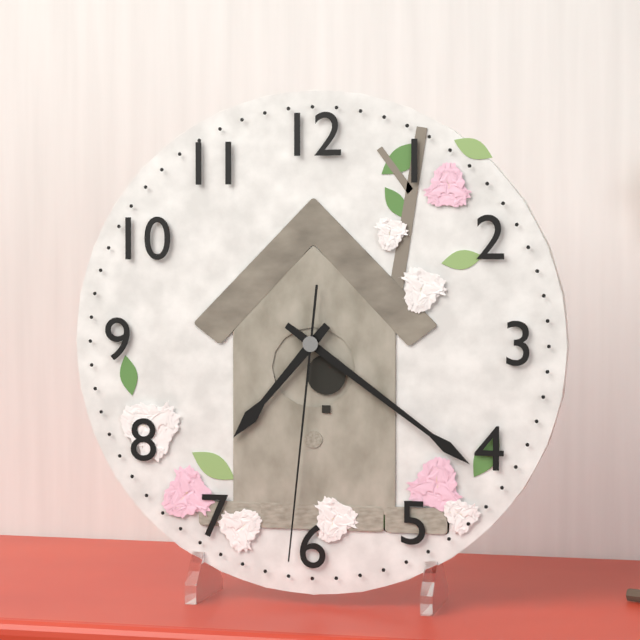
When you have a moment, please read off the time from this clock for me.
7:21:31
